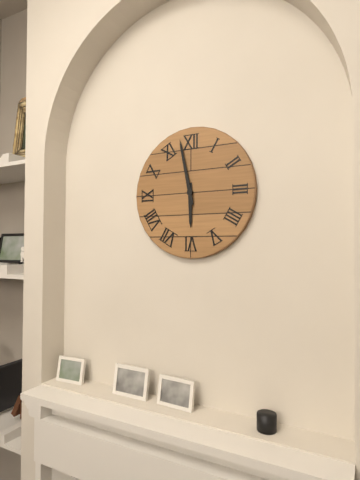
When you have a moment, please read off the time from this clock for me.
5:58
